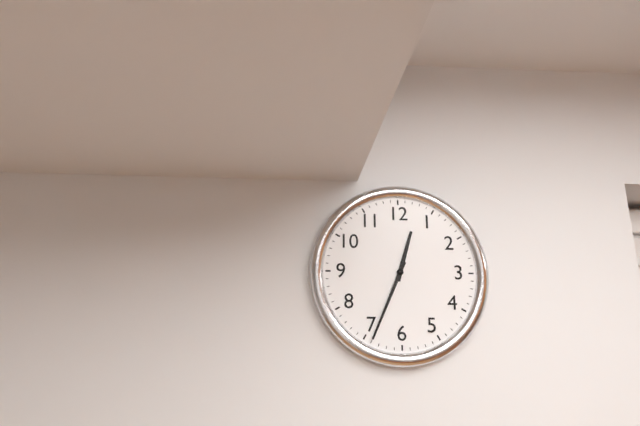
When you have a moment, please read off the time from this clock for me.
12:34
